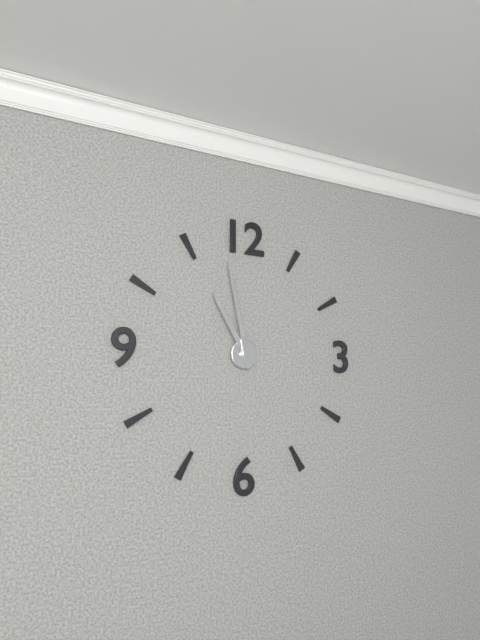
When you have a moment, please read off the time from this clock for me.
10:58
